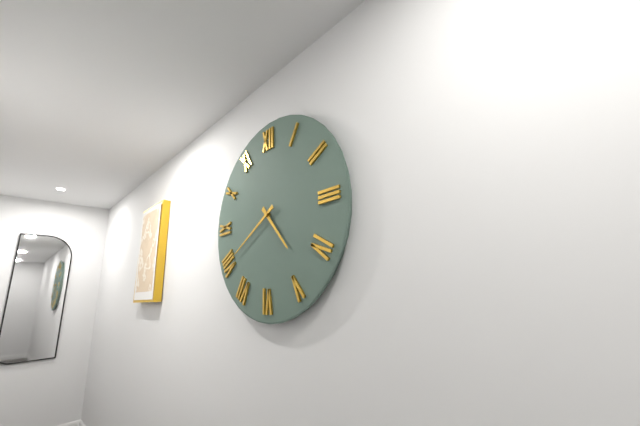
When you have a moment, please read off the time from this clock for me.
4:40
